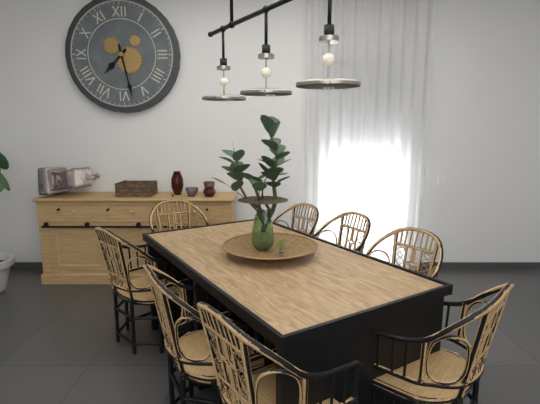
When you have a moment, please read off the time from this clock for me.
7:28
